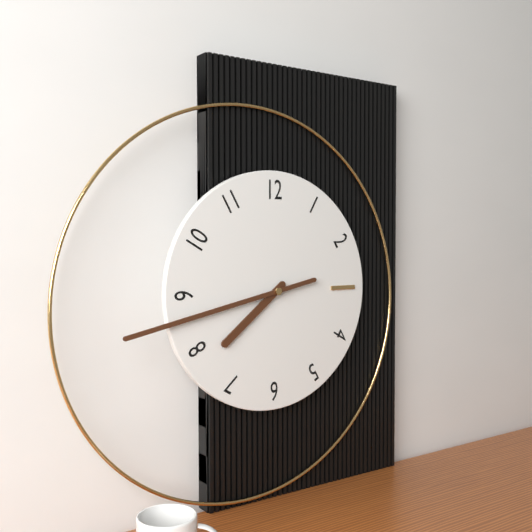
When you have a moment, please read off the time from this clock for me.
7:43
